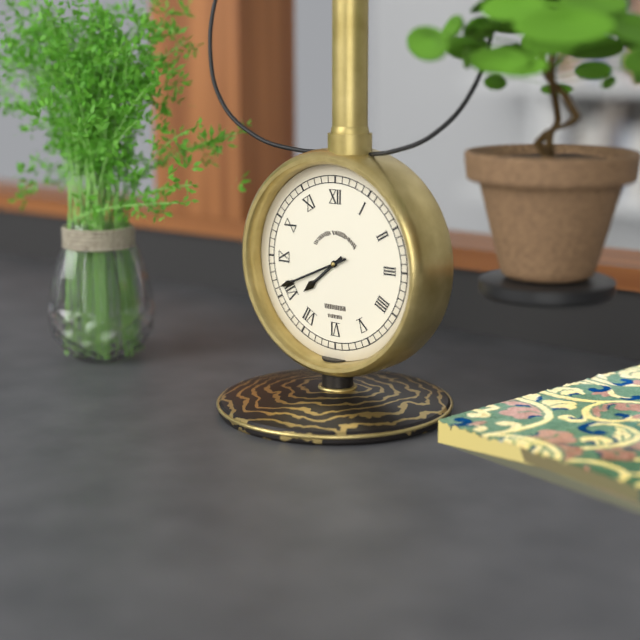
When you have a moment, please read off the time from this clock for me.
7:41
